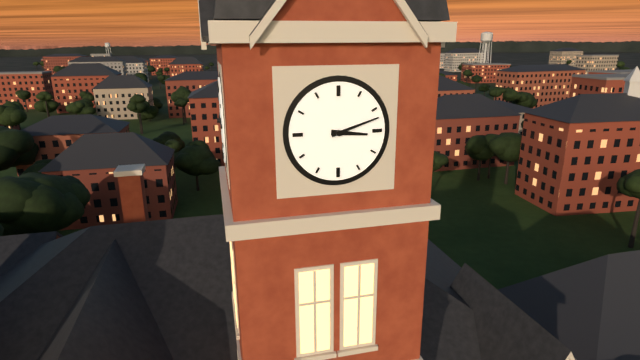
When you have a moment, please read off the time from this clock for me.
3:12
